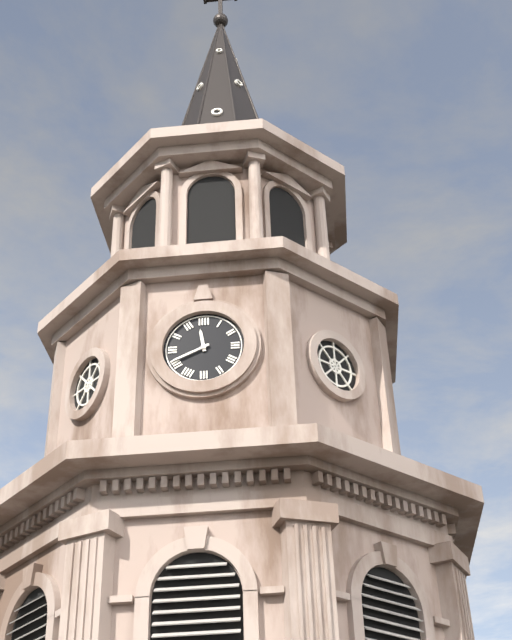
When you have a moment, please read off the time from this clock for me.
11:41
